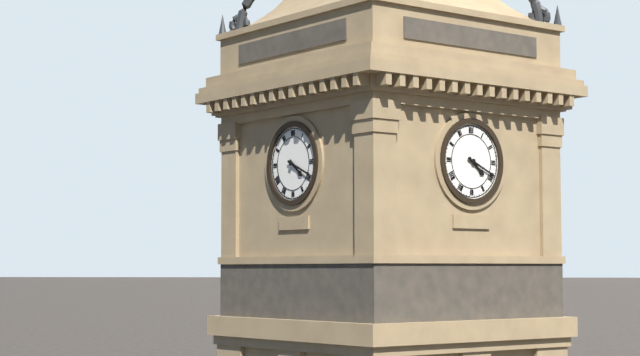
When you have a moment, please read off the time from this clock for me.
4:19
